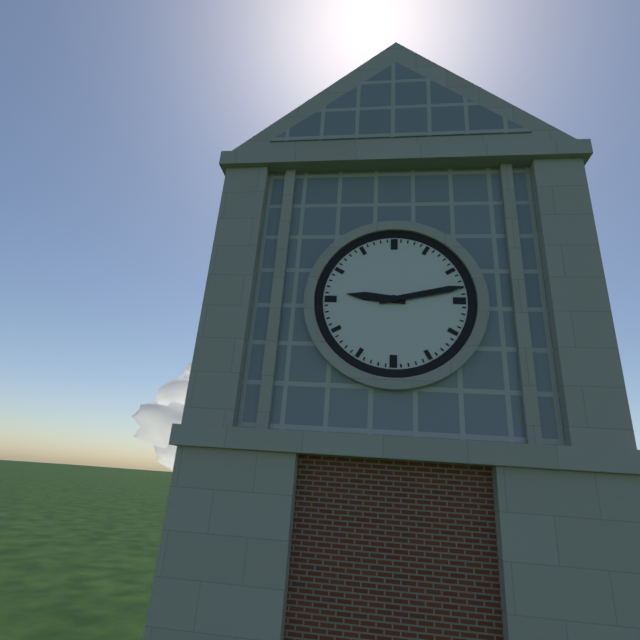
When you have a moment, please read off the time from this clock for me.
9:13
